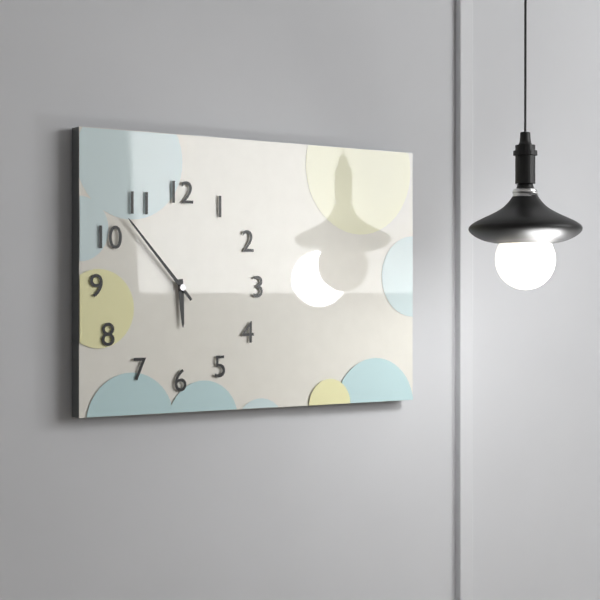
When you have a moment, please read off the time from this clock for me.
5:53
